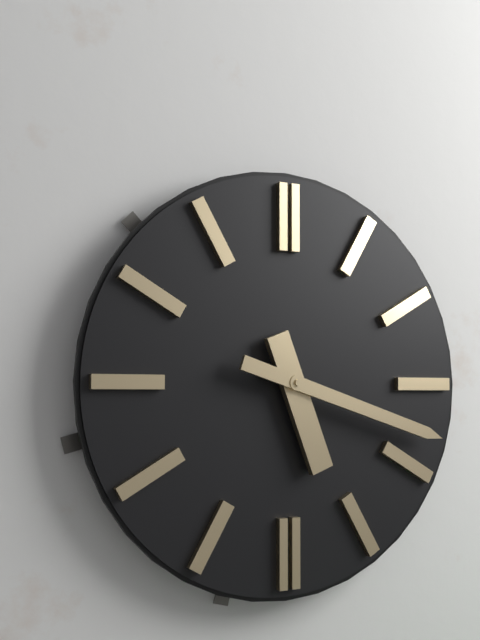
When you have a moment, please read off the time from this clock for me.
5:18
